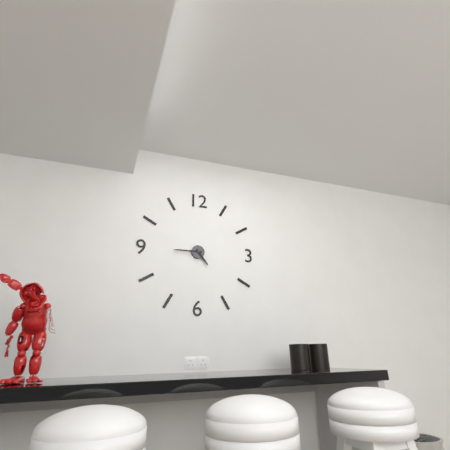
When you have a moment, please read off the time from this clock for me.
4:45
